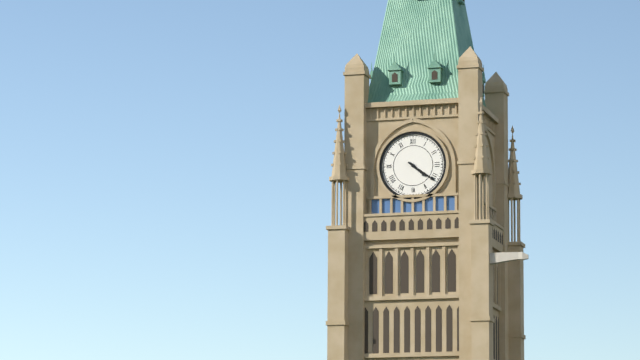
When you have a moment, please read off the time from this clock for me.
4:21
